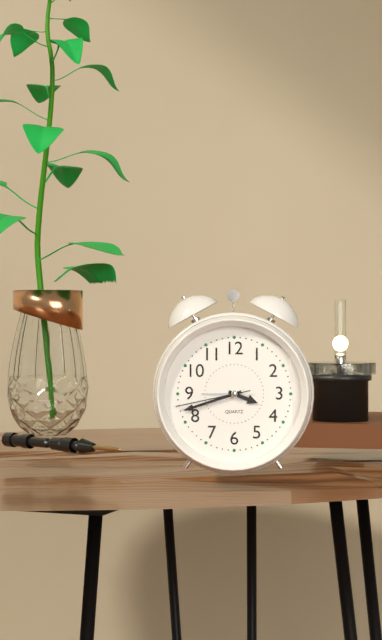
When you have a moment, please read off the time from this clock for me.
3:42:43
